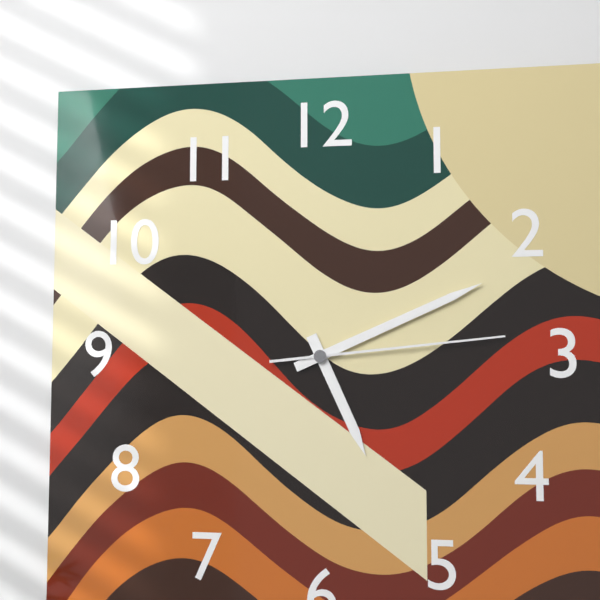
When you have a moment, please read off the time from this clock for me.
5:11:14
